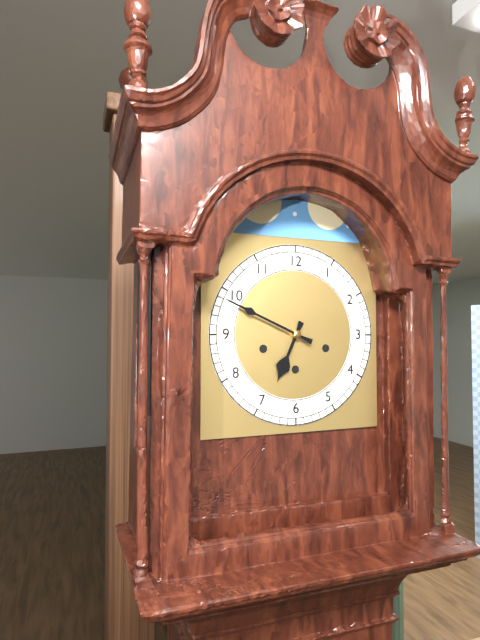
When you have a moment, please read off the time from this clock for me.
6:49
